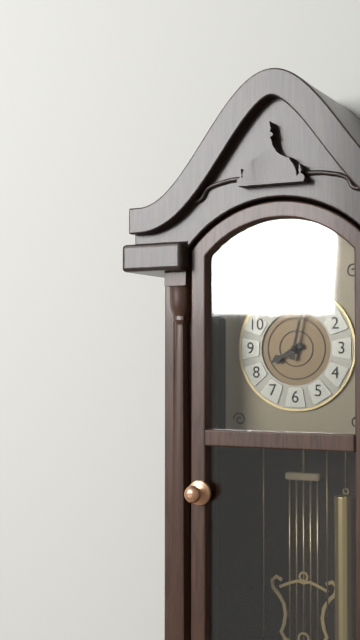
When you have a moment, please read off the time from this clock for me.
8:02
